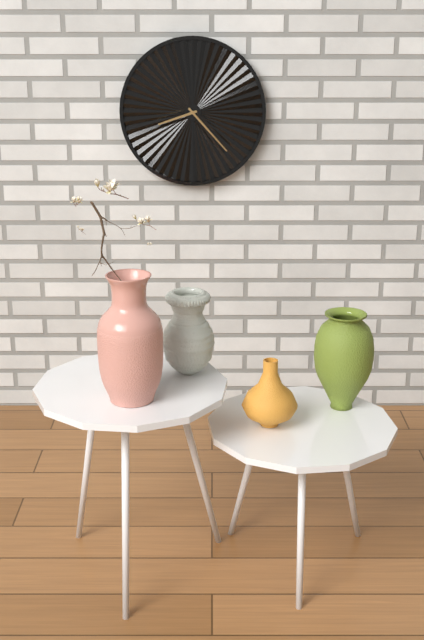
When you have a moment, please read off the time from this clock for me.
8:23
